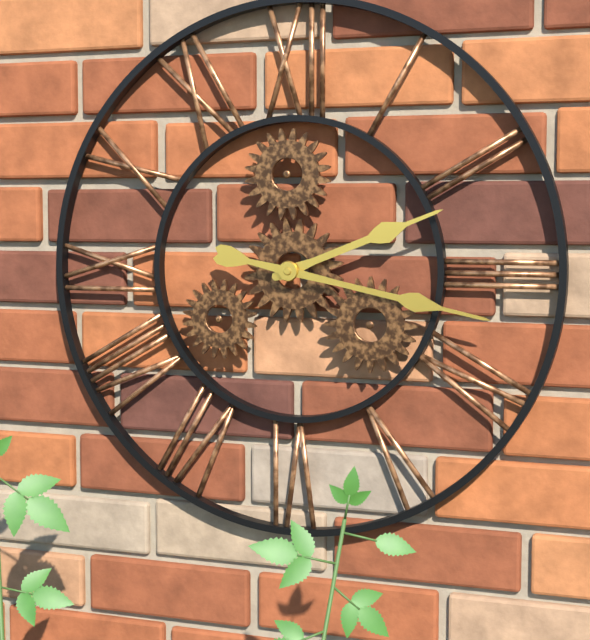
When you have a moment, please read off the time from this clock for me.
2:17
